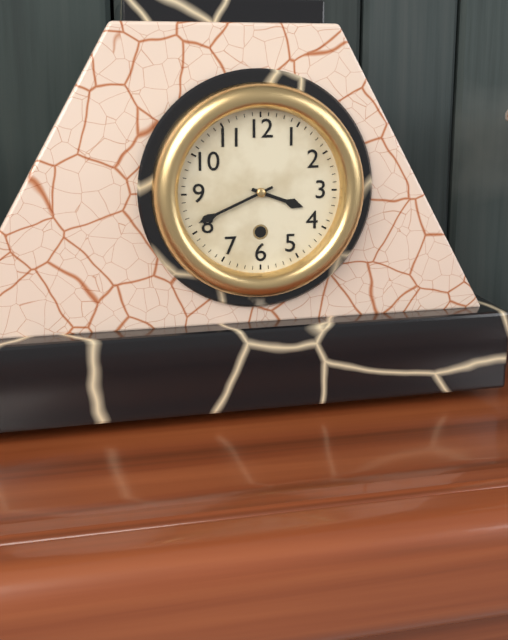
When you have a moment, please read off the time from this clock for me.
3:41
